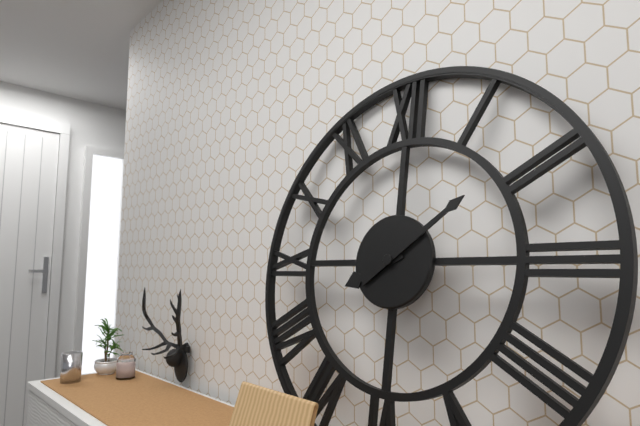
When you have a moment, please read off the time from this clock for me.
8:09
